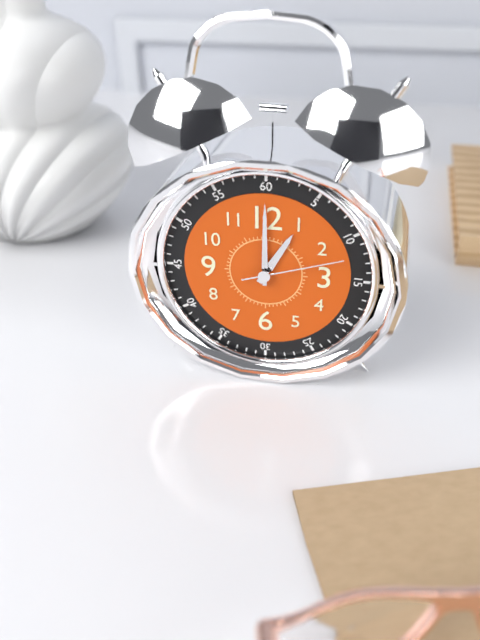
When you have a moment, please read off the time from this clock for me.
1:00:12
